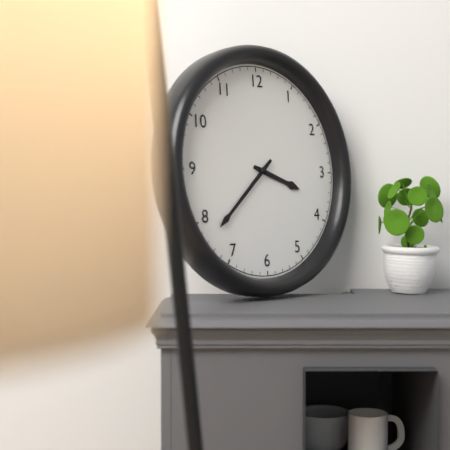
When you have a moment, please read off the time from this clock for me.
3:38
